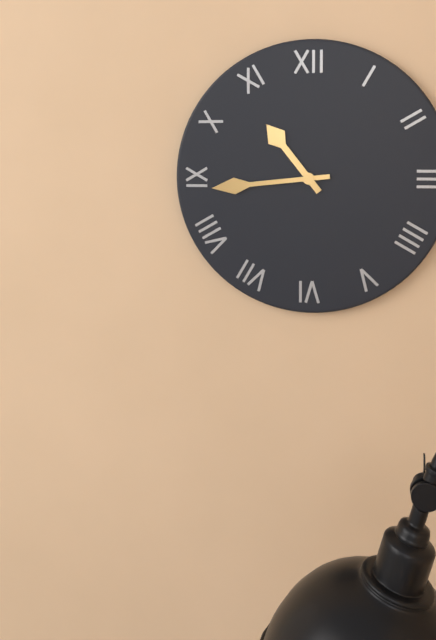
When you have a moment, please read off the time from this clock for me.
10:44
